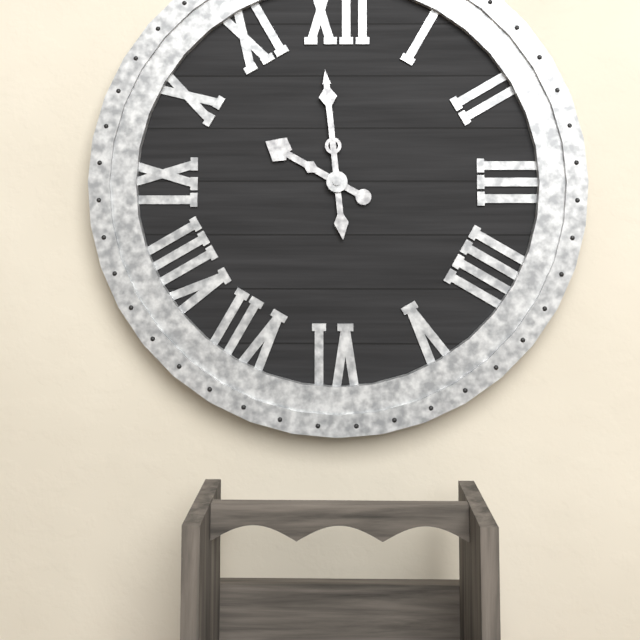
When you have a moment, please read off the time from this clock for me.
9:59
